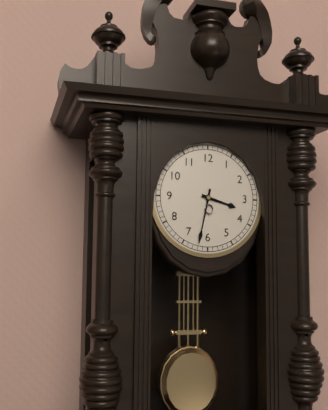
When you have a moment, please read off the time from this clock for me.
3:32
